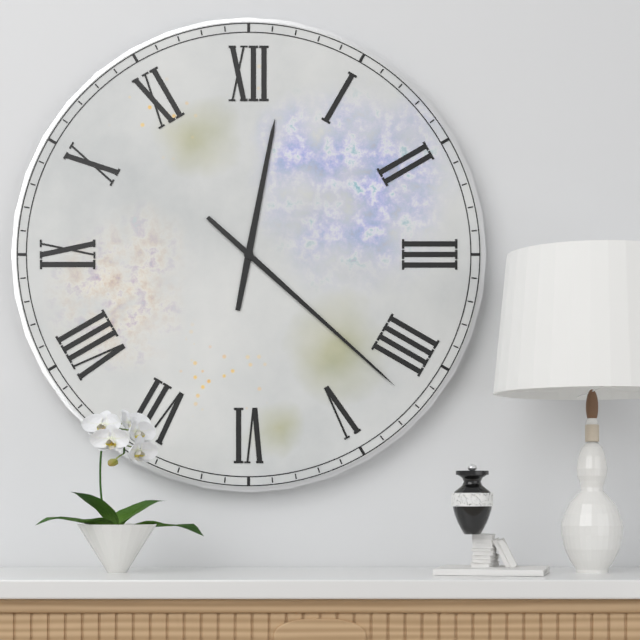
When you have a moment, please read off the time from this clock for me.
12:22
